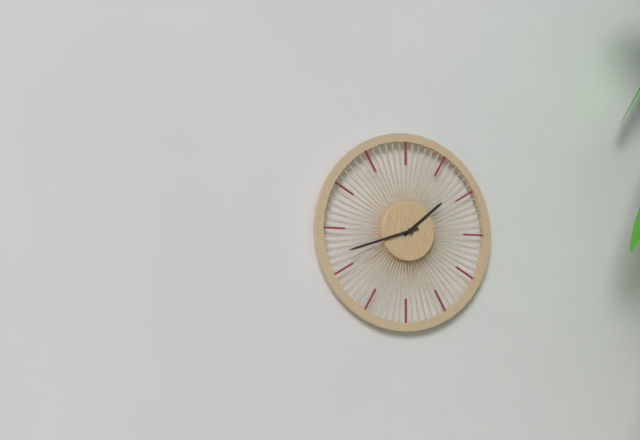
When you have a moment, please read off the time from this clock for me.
1:42
